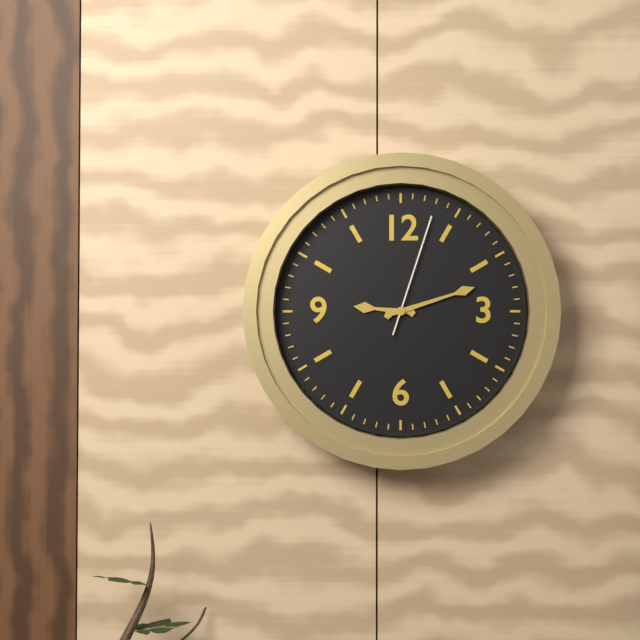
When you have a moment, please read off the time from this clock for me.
9:12:03
